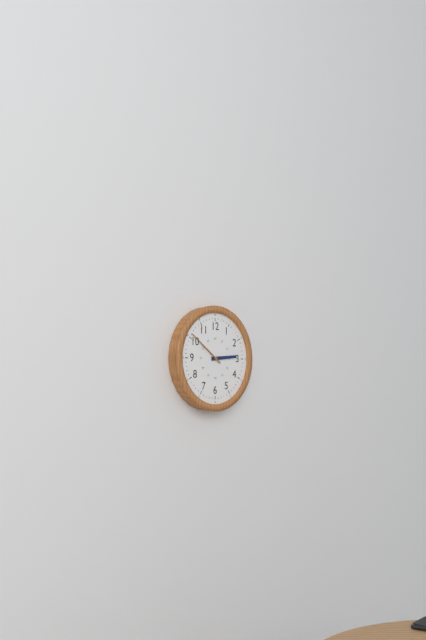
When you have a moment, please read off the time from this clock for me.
2:51
